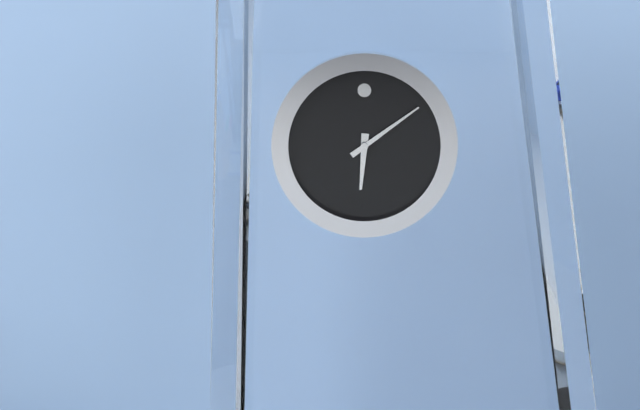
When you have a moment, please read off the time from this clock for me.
6:09
